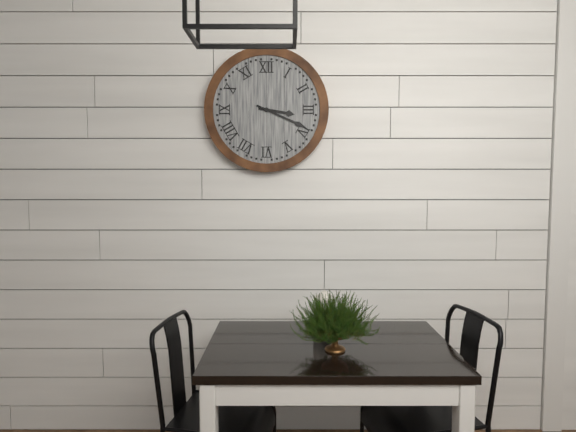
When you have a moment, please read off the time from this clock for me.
3:19
